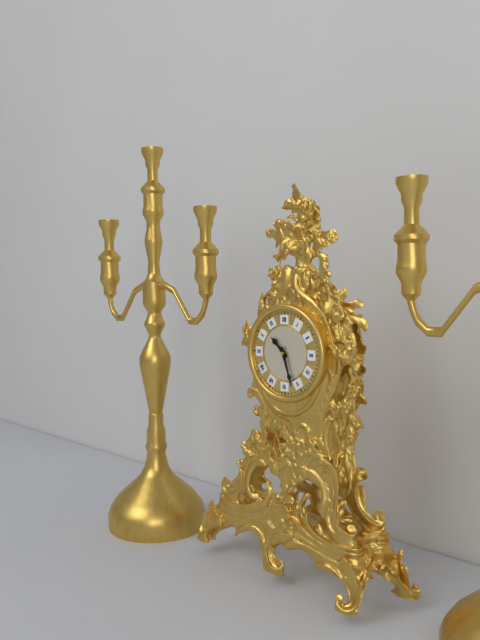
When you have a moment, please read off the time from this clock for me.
10:27
